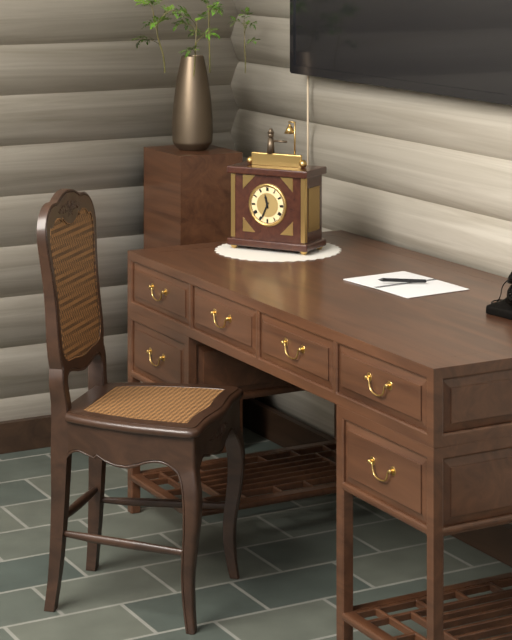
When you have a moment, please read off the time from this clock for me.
11:34
